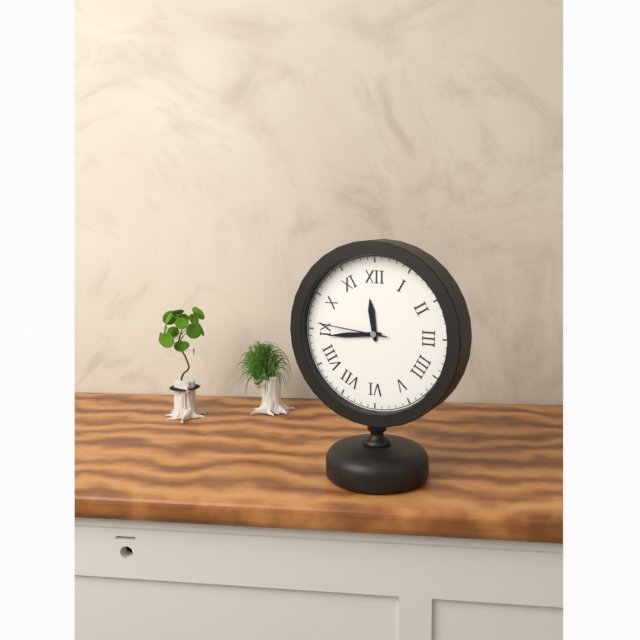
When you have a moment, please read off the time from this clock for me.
11:44:46
